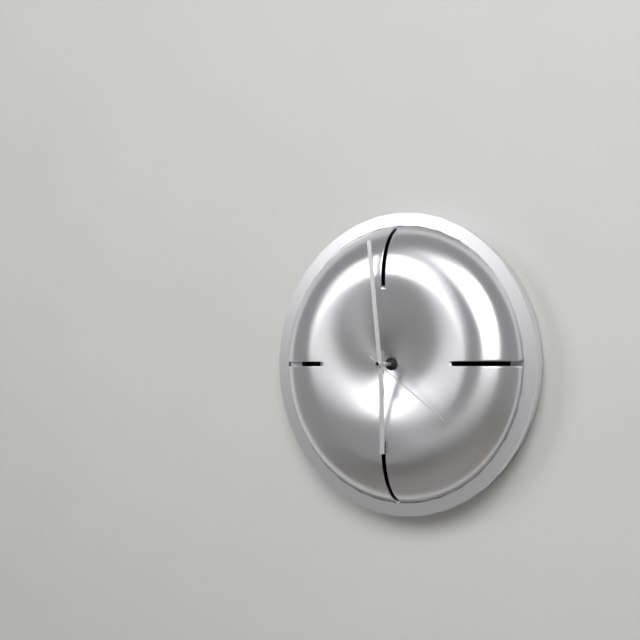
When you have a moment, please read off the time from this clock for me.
5:59:21
